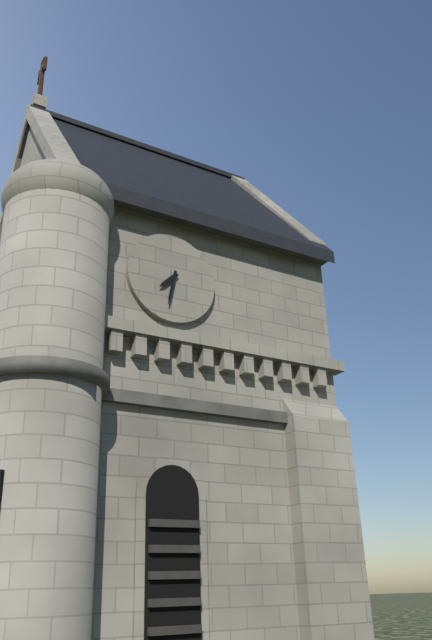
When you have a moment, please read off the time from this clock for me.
7:32
